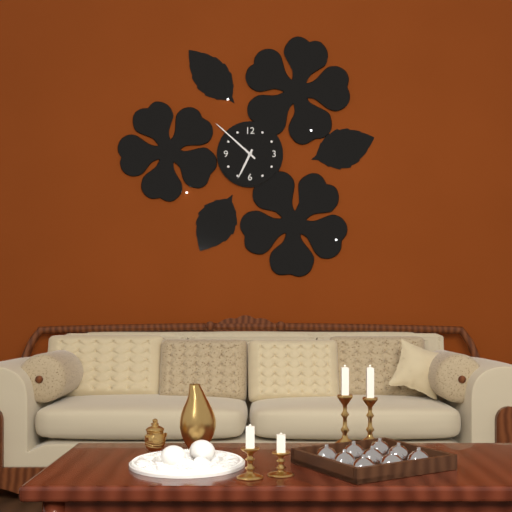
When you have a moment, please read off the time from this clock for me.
6:52
